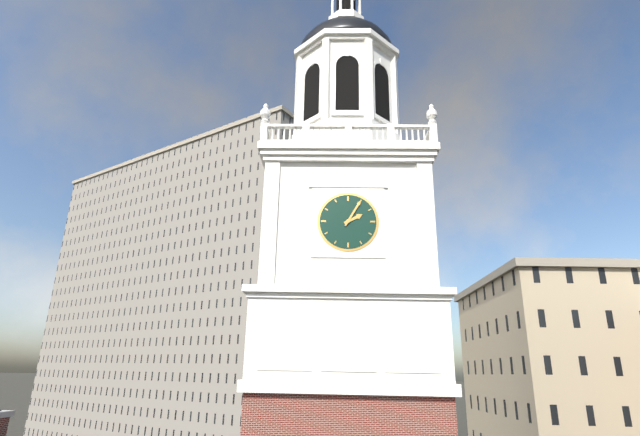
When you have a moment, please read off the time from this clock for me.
2:05
